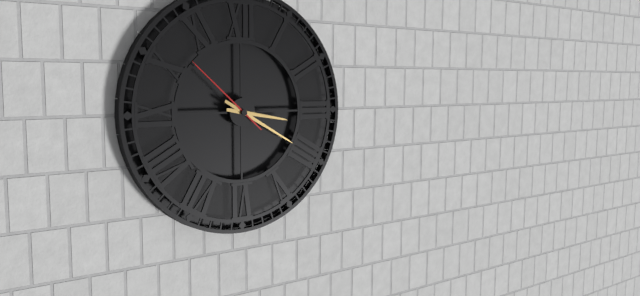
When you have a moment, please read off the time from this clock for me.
3:20:52
